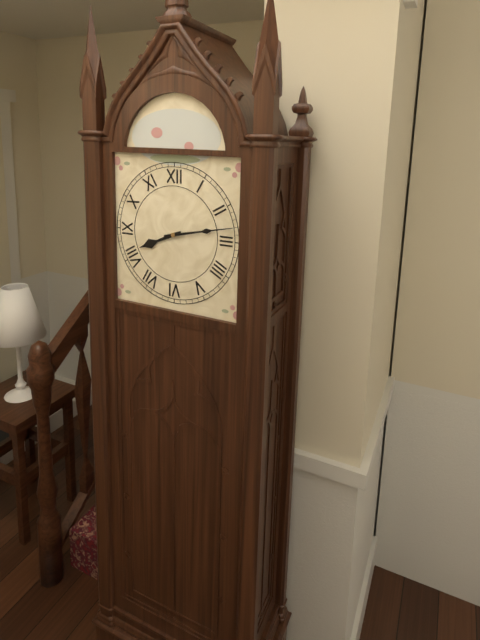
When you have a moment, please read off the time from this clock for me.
8:13
